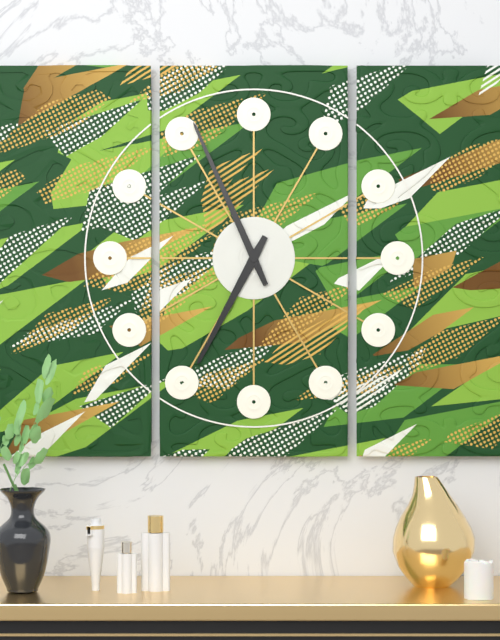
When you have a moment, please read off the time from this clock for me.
6:56
